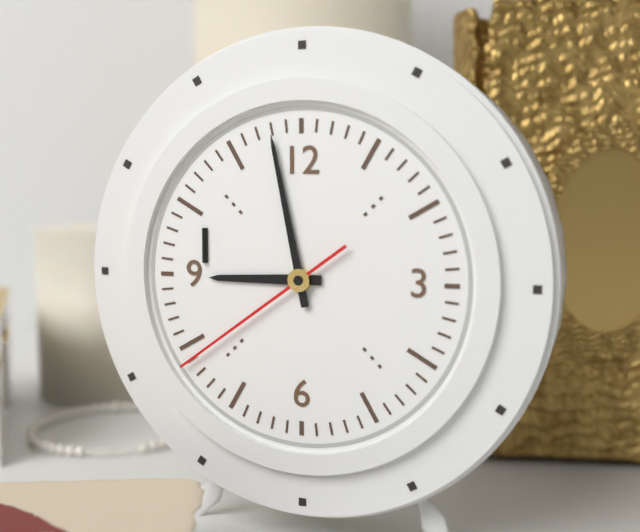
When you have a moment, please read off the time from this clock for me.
8:58:39
